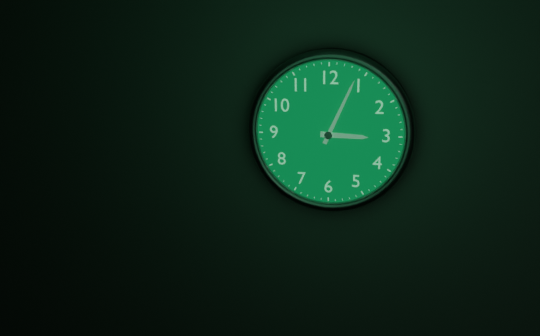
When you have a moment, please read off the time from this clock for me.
3:04
